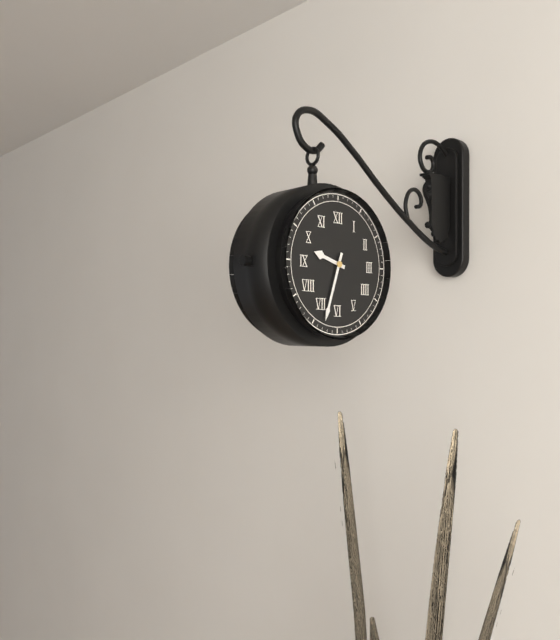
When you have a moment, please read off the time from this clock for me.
9:33
